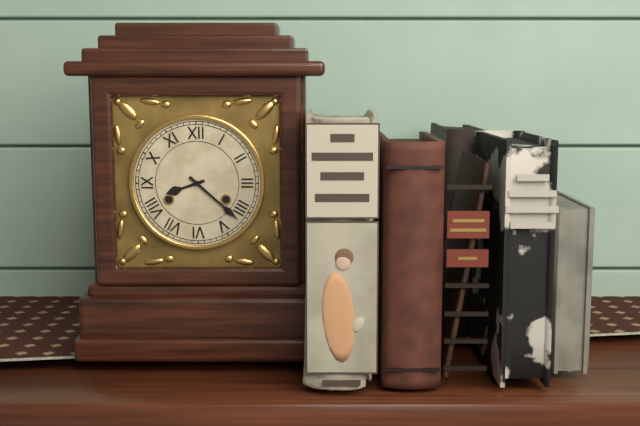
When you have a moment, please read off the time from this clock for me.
8:22
